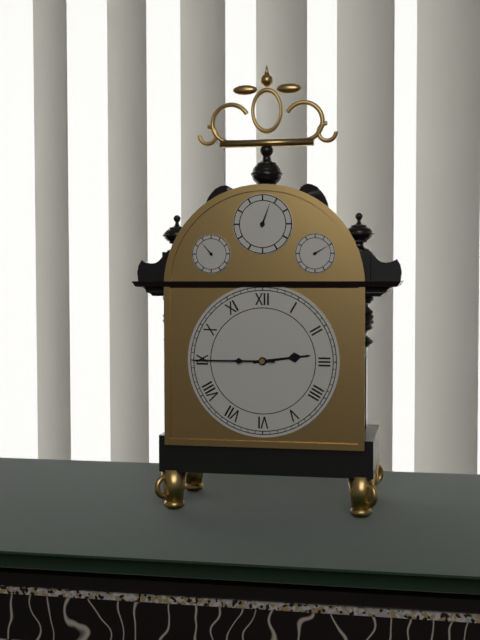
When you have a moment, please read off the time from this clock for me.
2:45
